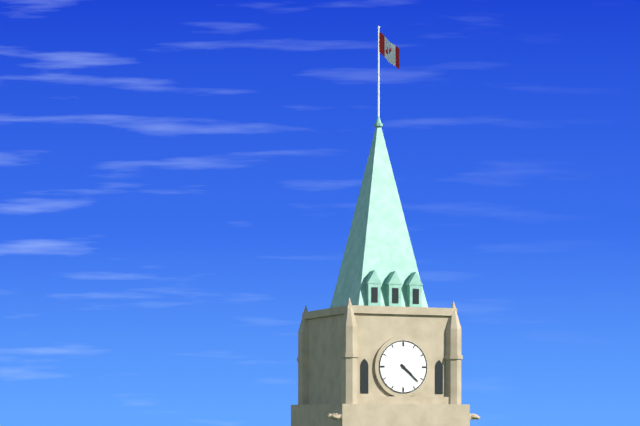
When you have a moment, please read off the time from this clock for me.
4:22
